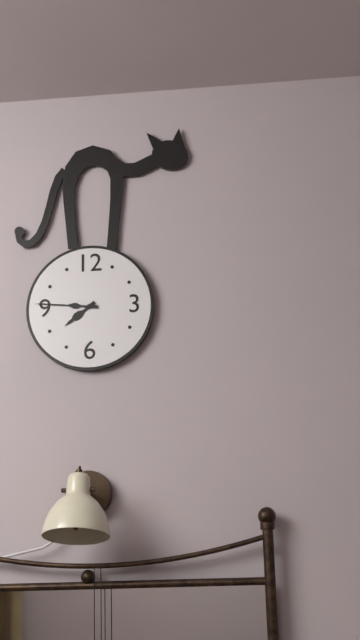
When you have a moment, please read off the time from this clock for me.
7:46
